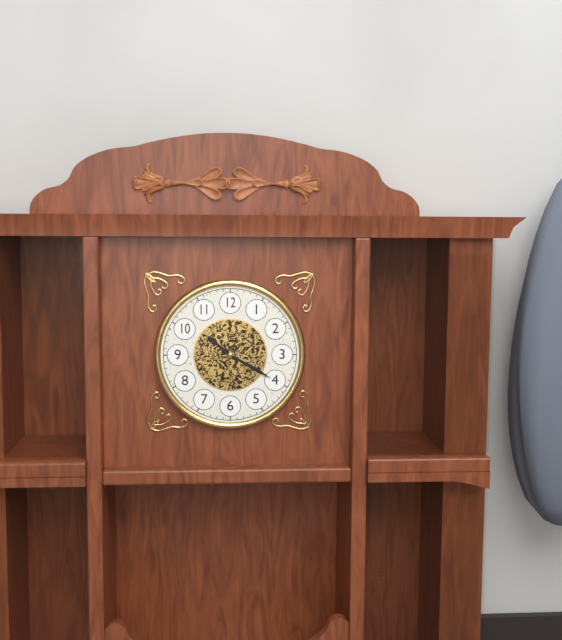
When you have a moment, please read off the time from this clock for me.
10:20
